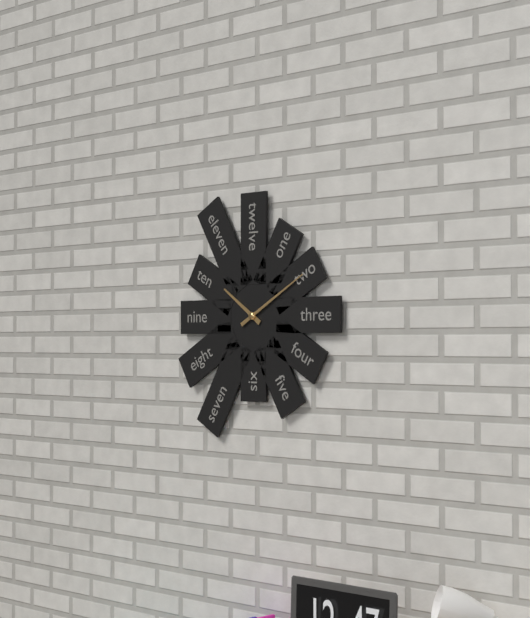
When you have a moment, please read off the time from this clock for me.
10:10
